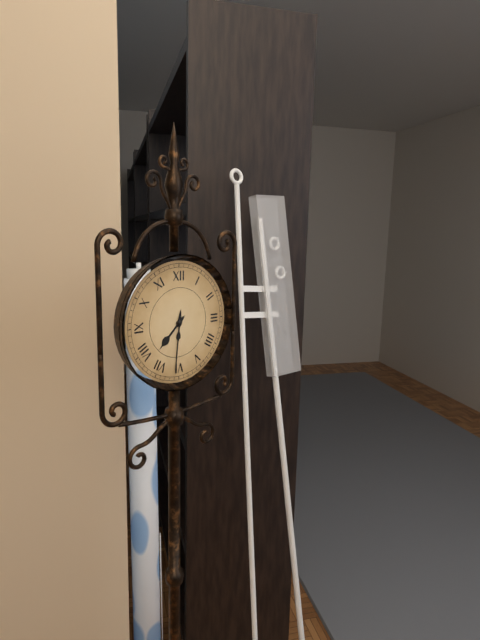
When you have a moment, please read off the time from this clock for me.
7:31
